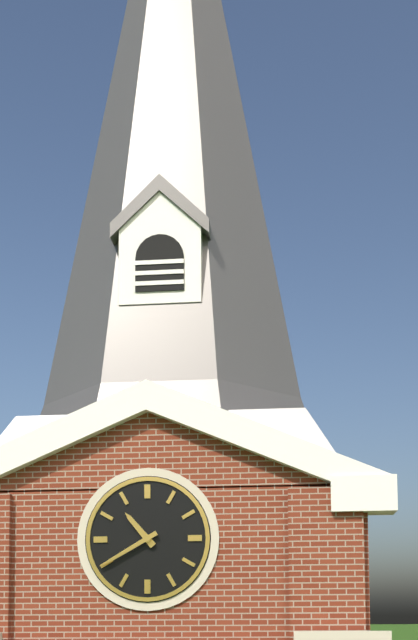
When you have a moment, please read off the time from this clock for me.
10:40
